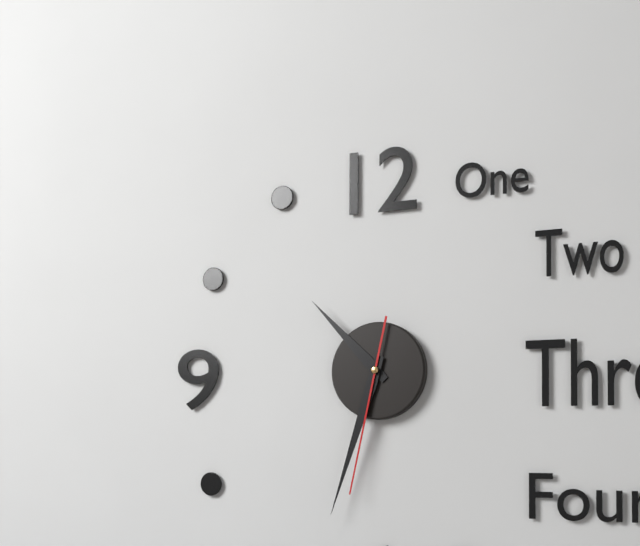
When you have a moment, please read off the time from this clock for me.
10:33:32
